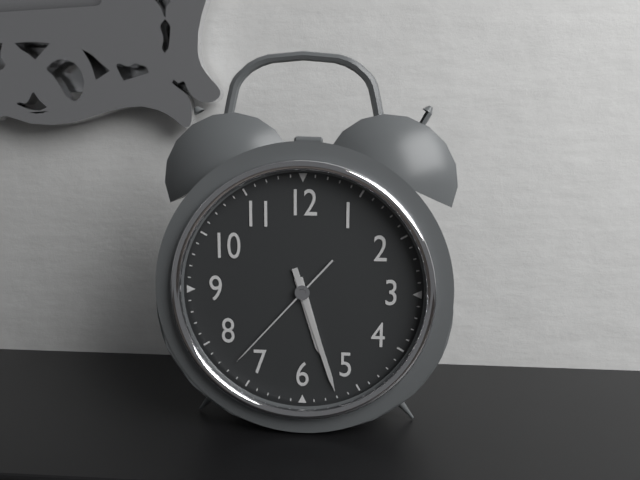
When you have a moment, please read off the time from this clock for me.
5:27:37
